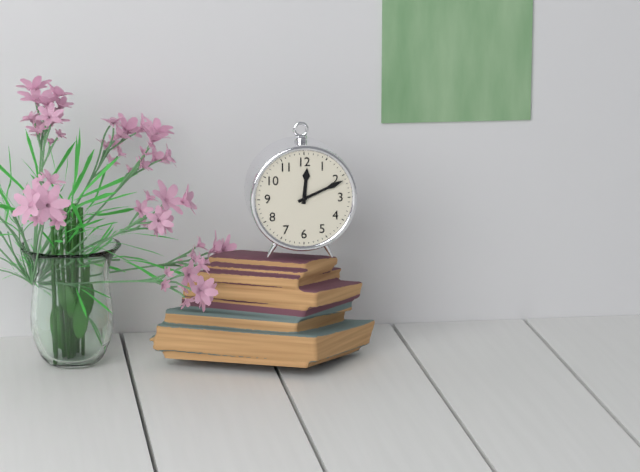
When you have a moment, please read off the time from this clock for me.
12:11
